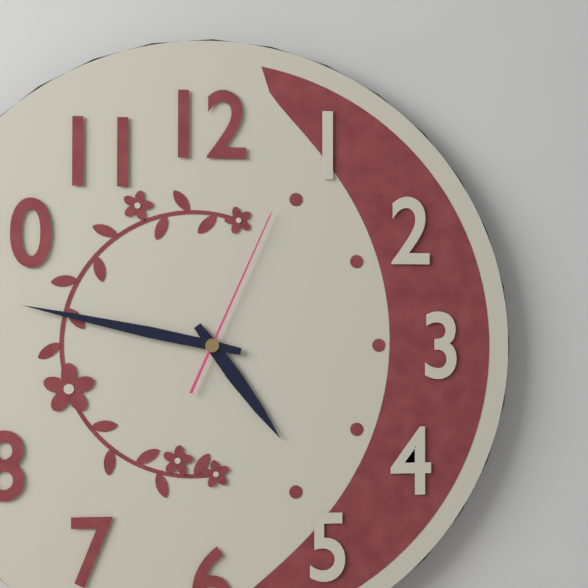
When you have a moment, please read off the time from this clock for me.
4:47:04
